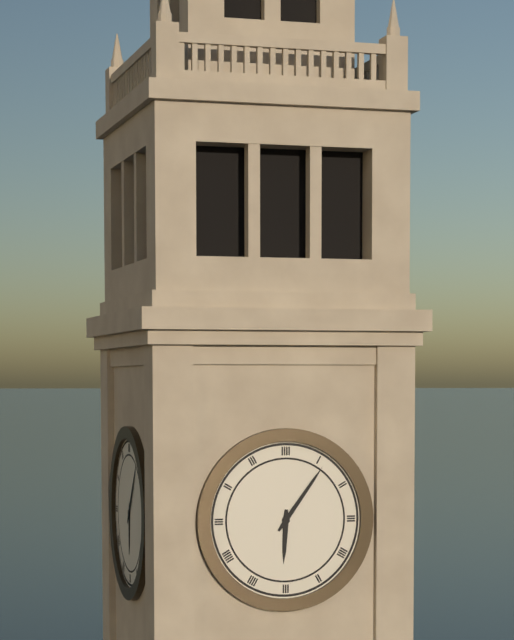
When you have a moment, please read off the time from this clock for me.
6:06
